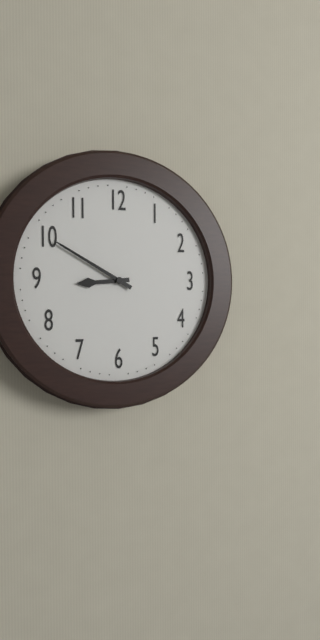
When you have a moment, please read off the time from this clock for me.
8:50
